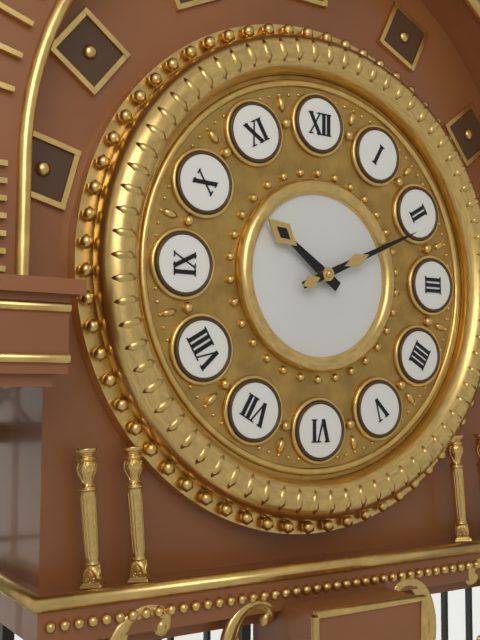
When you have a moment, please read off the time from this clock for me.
10:11
